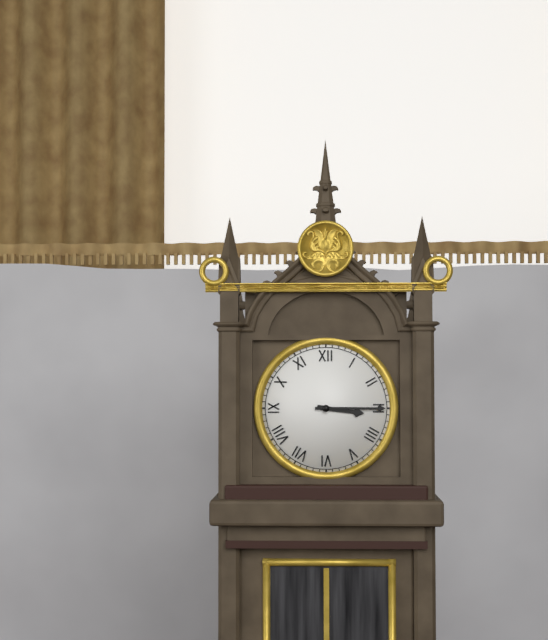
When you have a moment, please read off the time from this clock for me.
3:15
